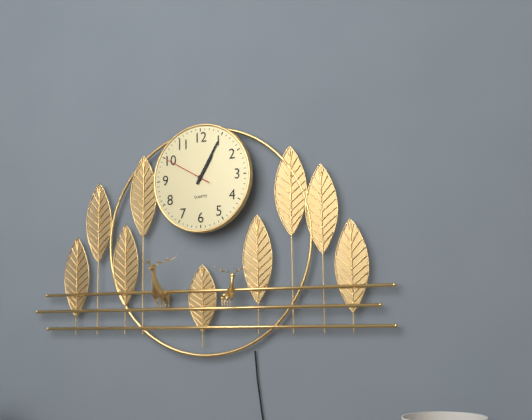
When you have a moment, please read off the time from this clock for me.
1:05
